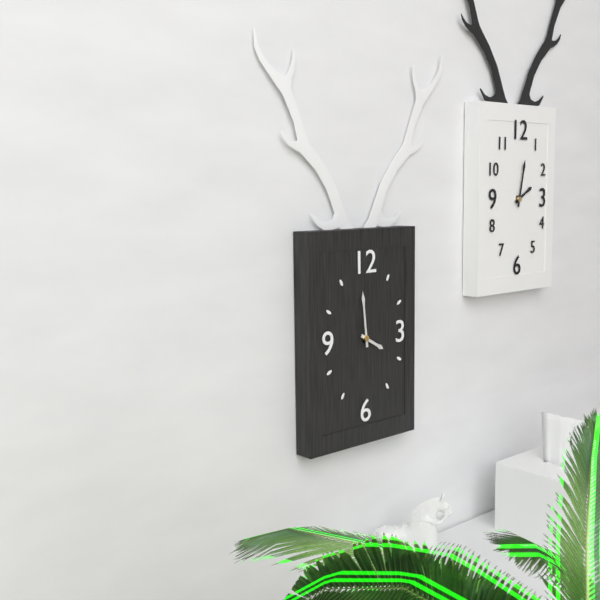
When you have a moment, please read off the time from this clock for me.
3:59
